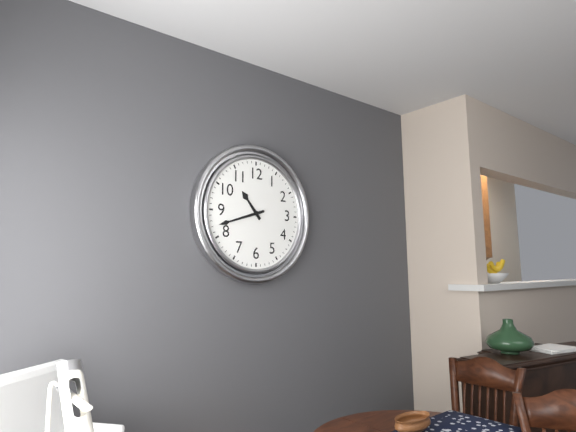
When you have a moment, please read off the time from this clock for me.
10:42
